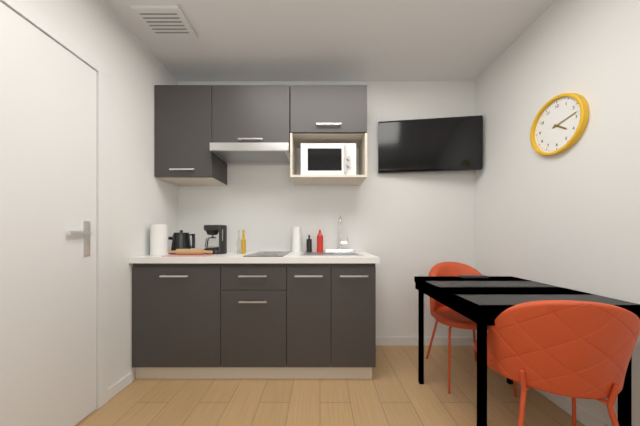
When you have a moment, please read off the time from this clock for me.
4:13
